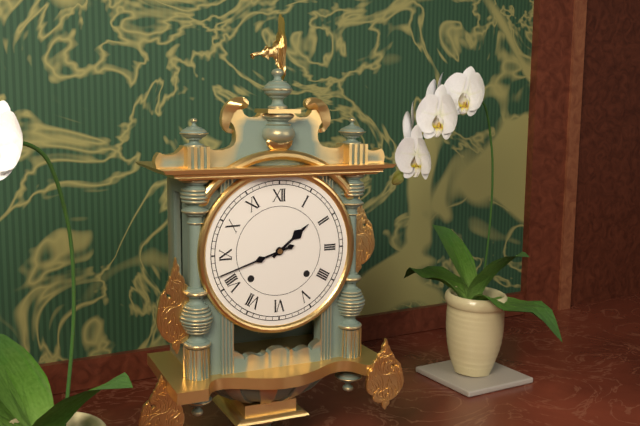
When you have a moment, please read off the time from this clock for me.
1:42
